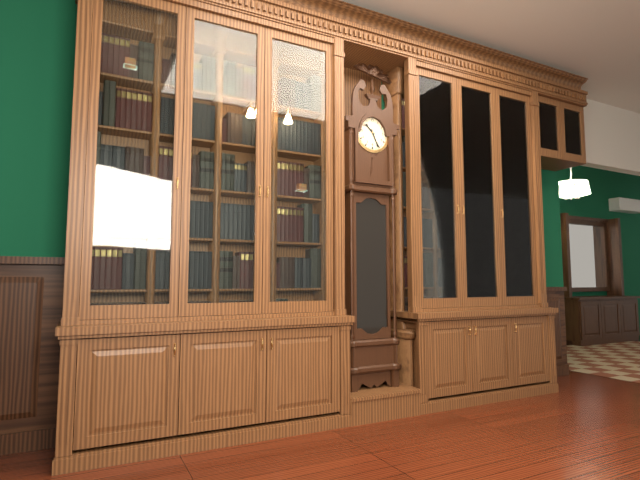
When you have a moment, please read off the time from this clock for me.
10:26
